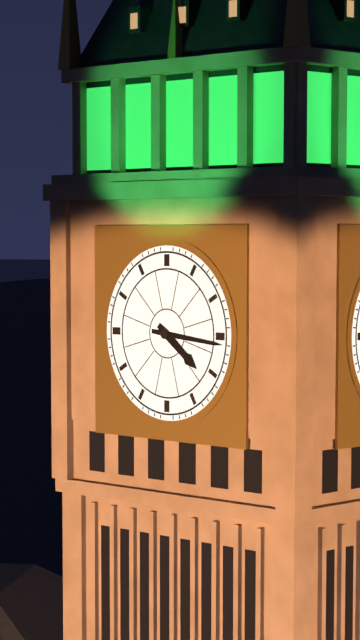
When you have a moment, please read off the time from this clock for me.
4:16
